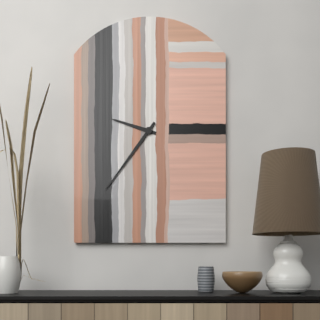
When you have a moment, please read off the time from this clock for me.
9:36
